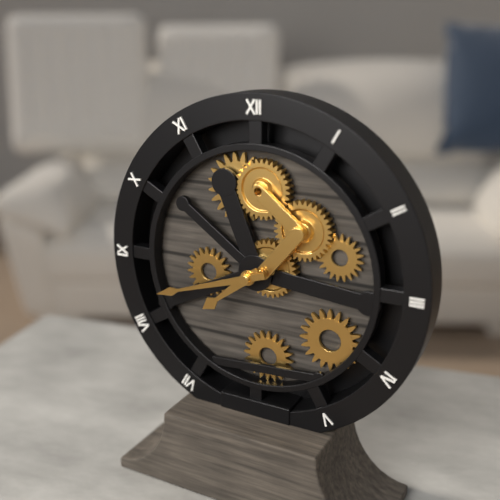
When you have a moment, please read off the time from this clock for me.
7:42
